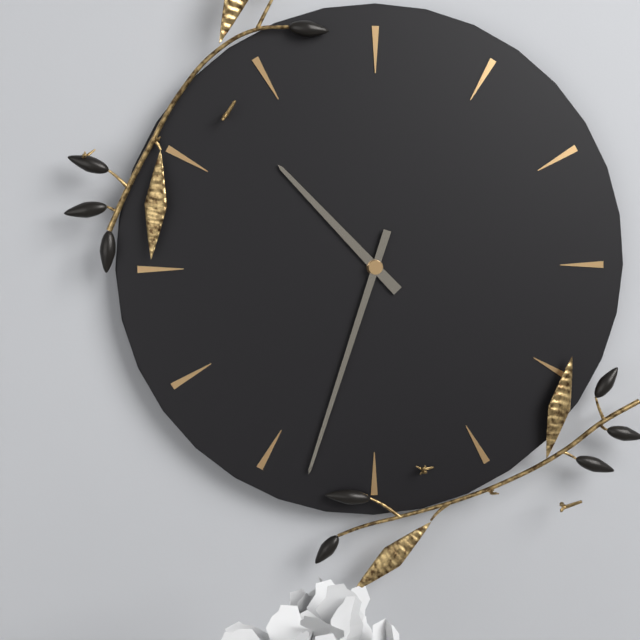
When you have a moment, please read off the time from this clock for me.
10:33
